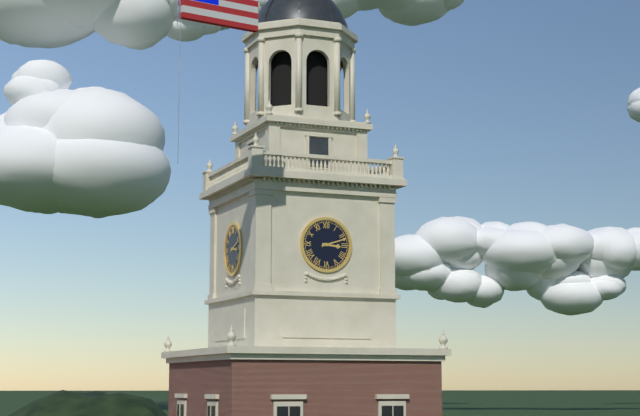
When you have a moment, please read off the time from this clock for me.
3:12
